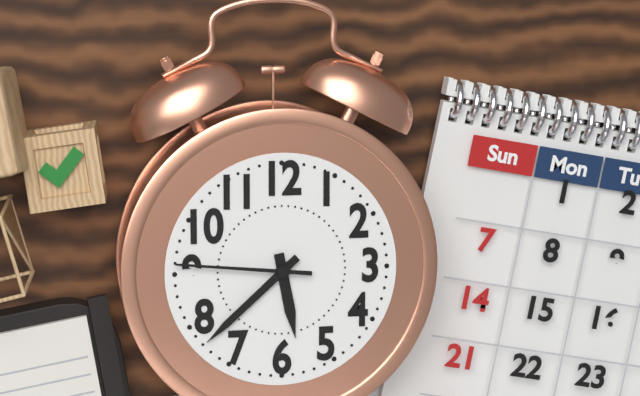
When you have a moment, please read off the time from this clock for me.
5:38:46
